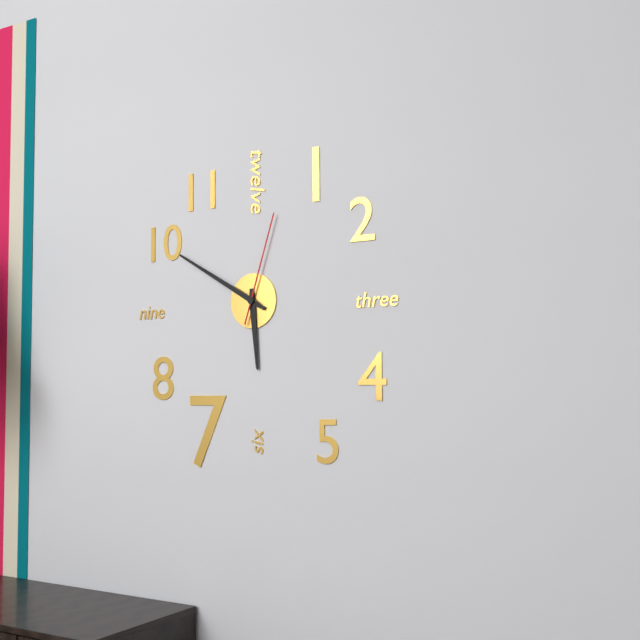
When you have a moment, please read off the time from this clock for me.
5:50:03
